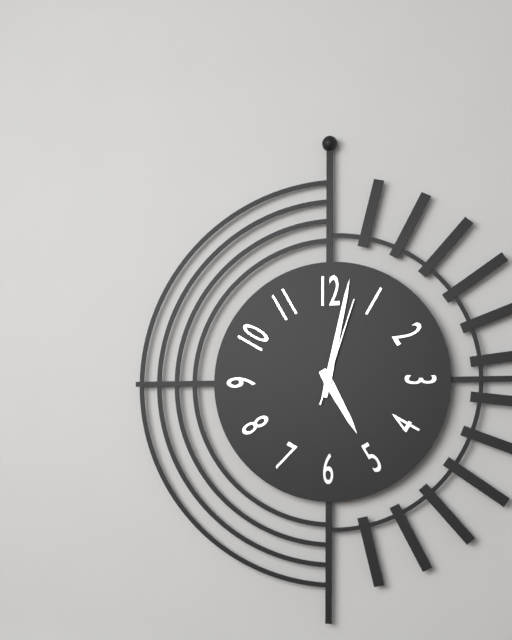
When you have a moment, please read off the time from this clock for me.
5:02:03
